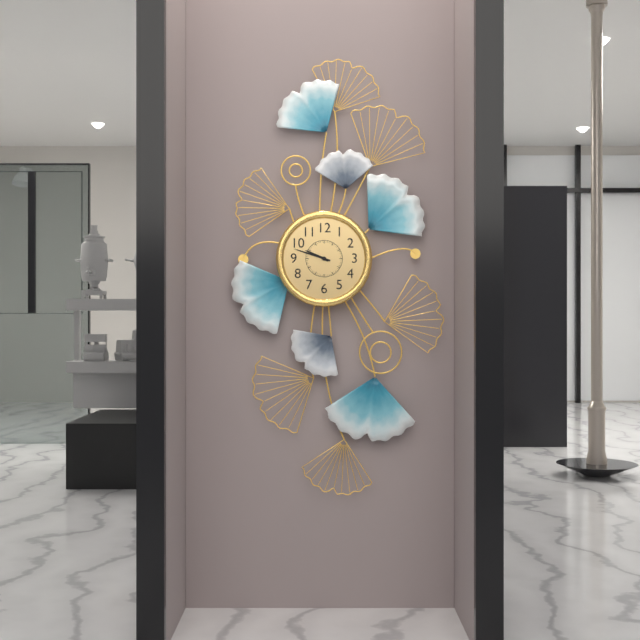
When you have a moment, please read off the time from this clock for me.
9:48
